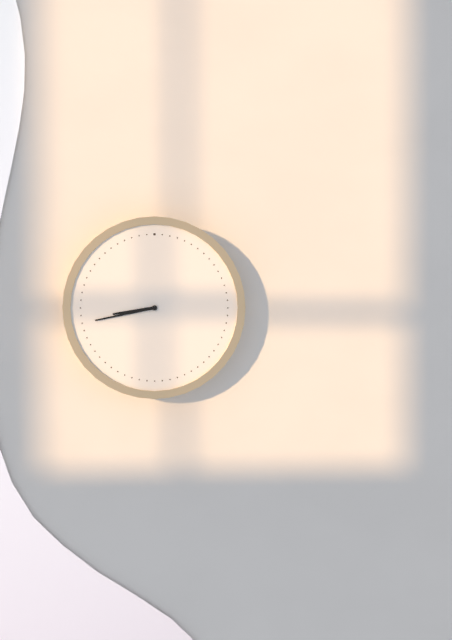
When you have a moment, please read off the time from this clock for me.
8:43
